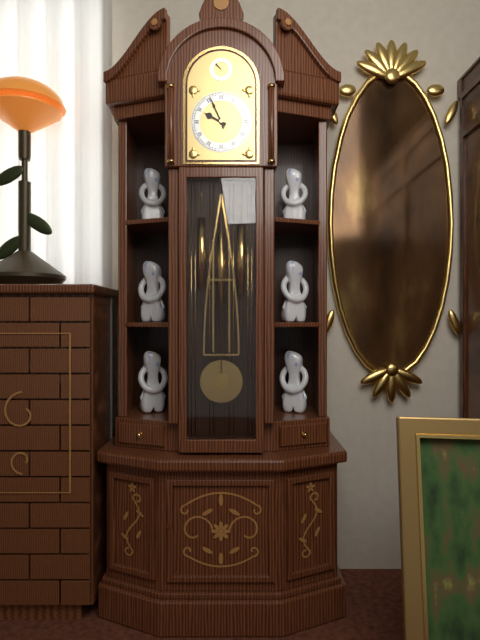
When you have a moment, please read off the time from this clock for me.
9:56
